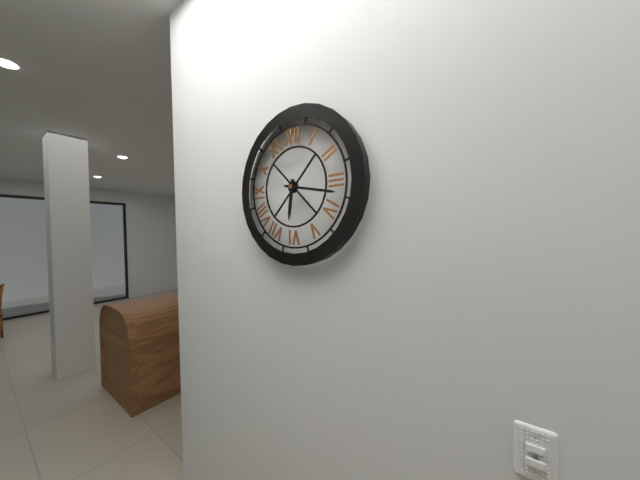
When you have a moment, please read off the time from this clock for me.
6:17
